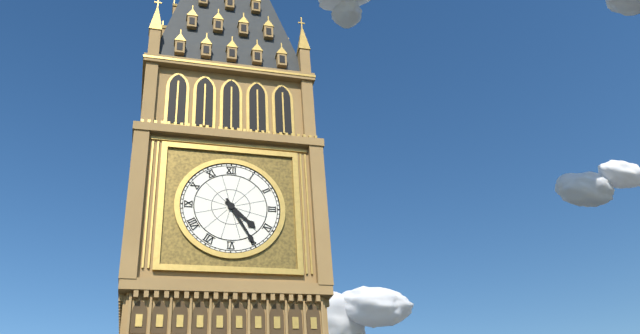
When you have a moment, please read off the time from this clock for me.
4:25
